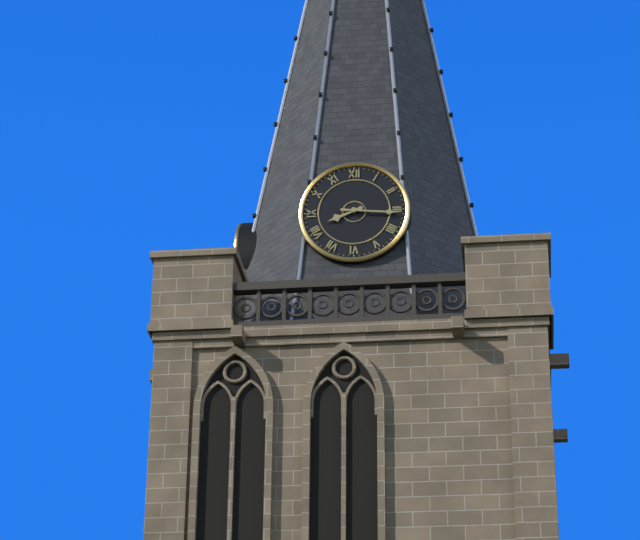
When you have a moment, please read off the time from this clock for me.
8:16
